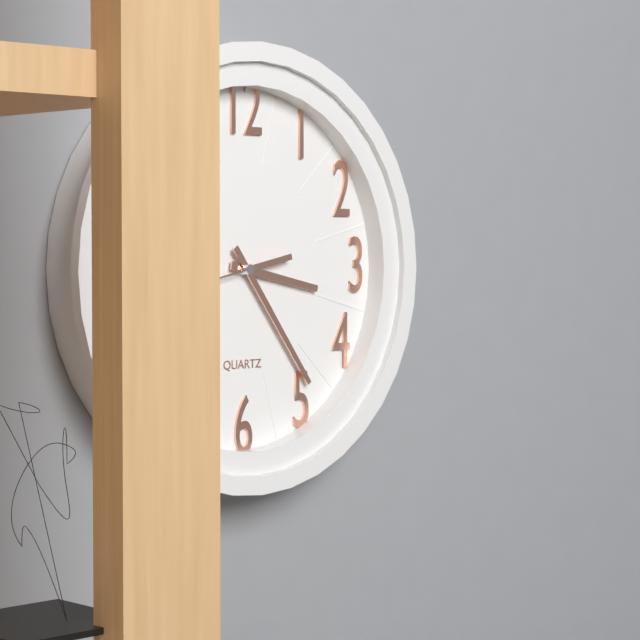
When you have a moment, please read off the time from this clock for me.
3:24
